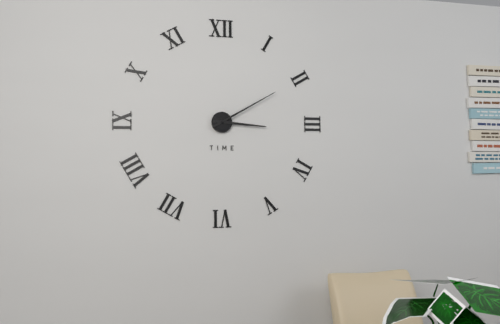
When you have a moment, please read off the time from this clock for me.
3:10
